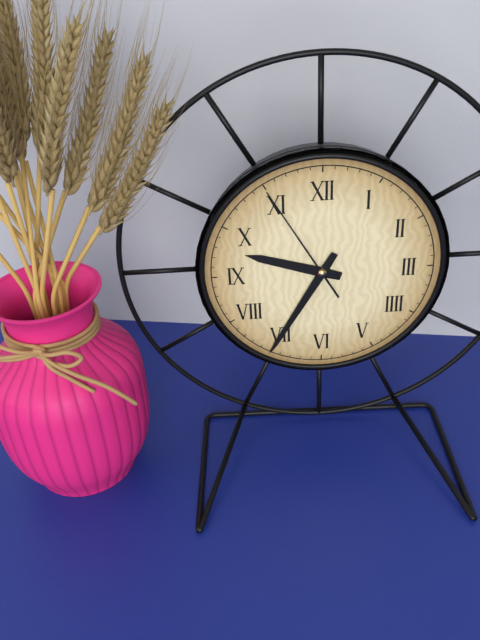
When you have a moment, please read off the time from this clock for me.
9:35:55
